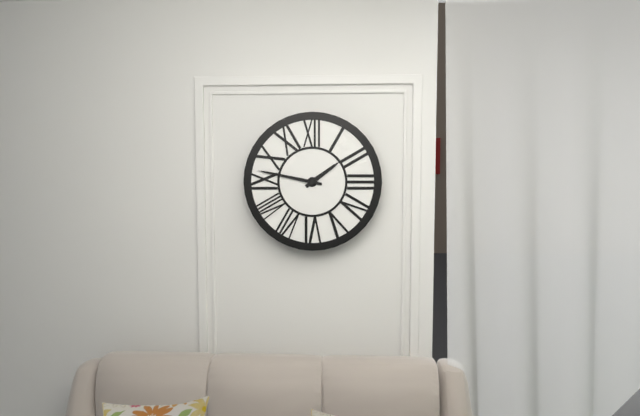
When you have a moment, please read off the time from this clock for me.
1:47
